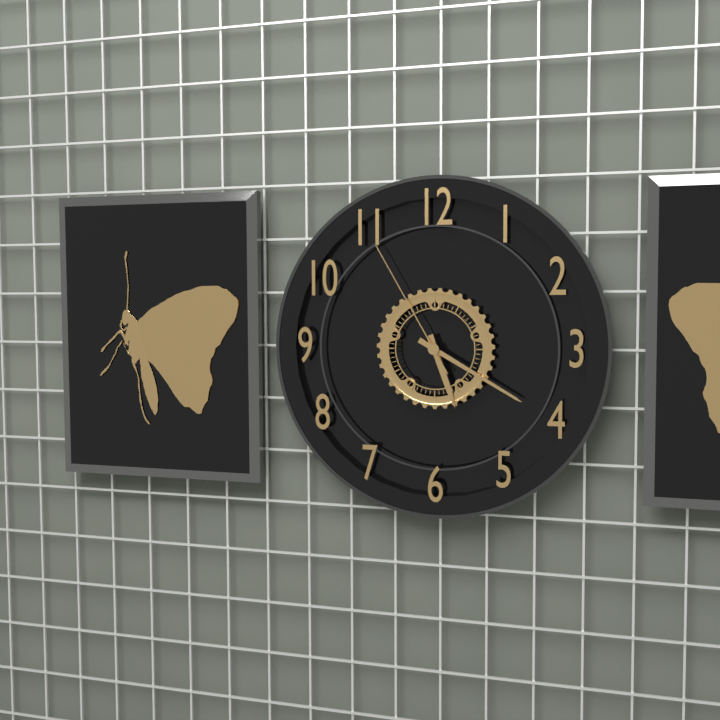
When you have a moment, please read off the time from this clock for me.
5:20:55
